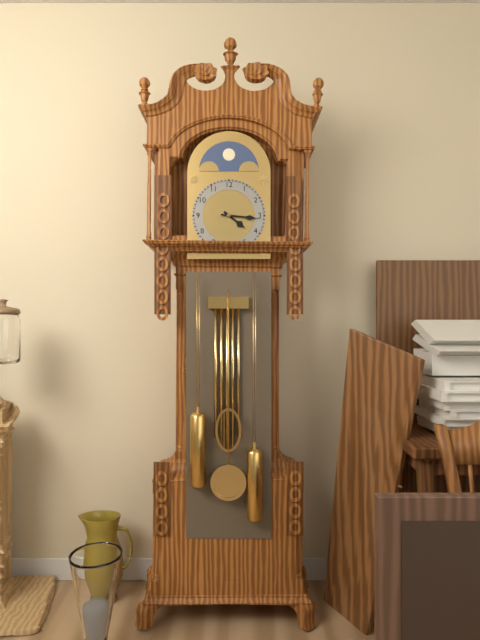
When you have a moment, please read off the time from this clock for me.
4:16
